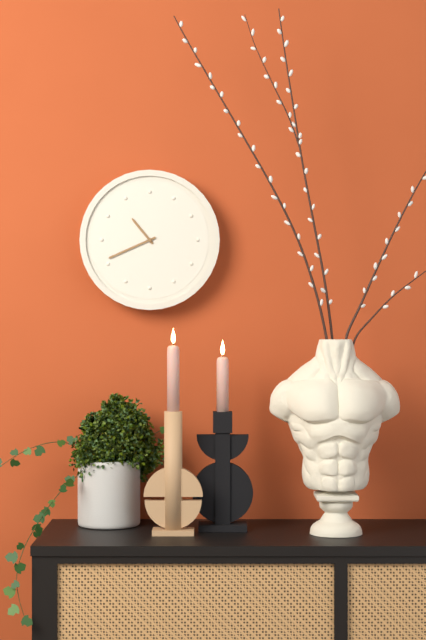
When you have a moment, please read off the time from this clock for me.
10:41
